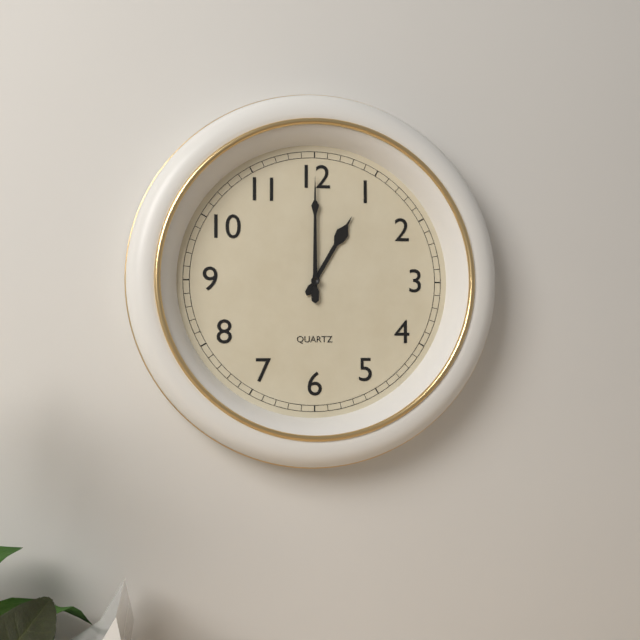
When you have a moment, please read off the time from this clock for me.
1:00
